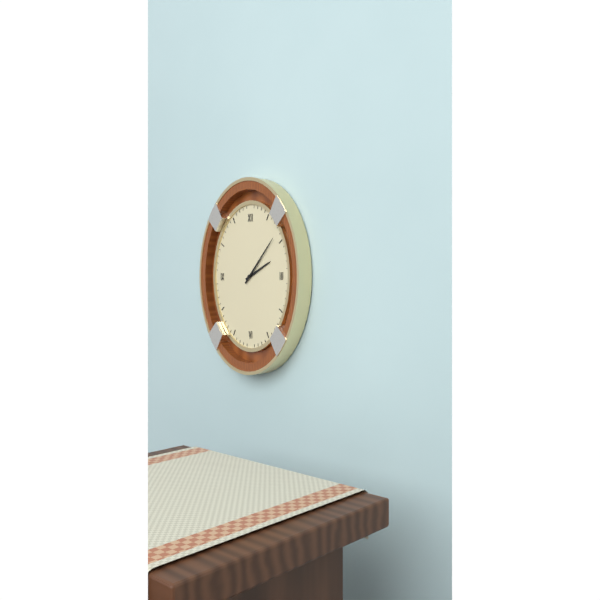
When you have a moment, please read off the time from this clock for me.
2:07
